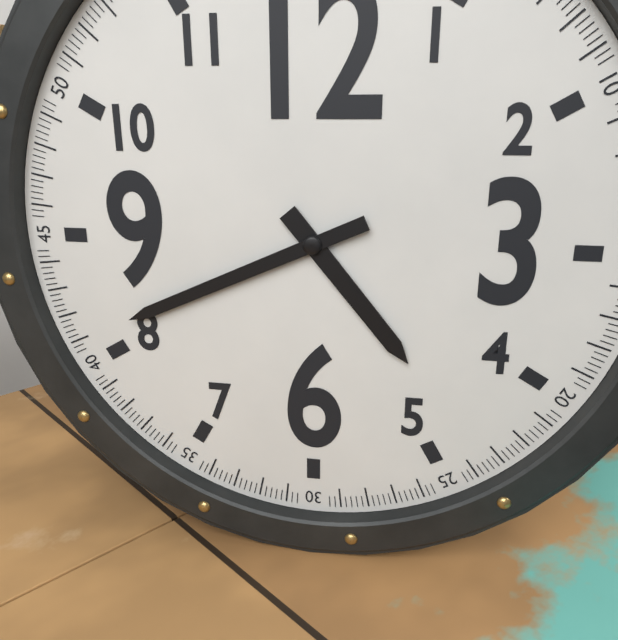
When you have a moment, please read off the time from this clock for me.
4:41
